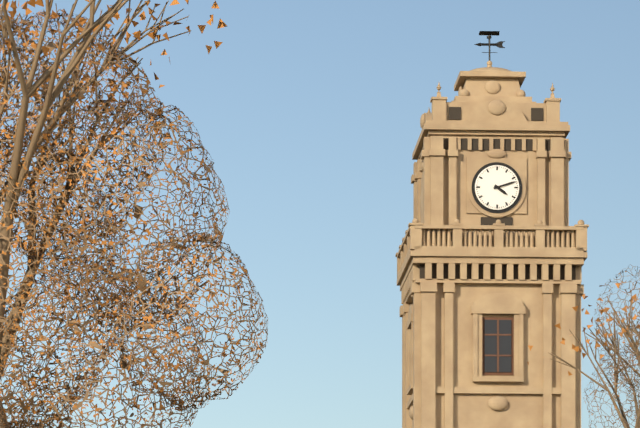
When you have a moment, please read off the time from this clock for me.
4:12
